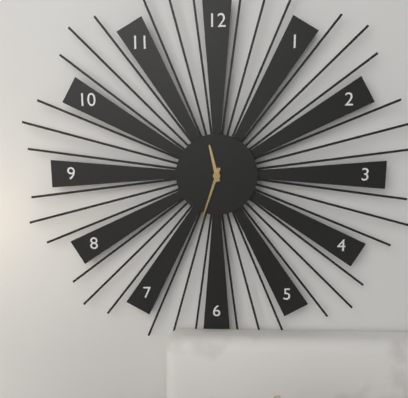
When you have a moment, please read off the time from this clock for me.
11:33
